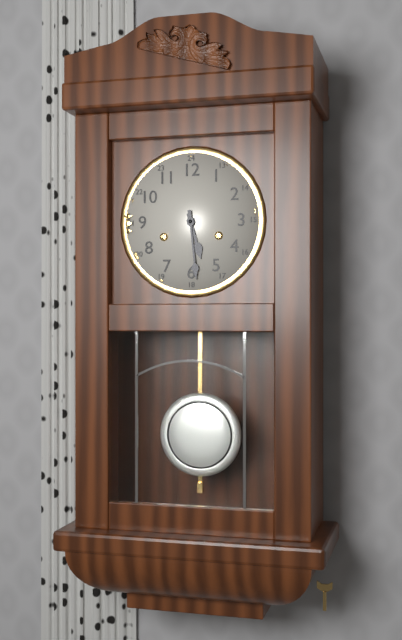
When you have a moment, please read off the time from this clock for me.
5:29
